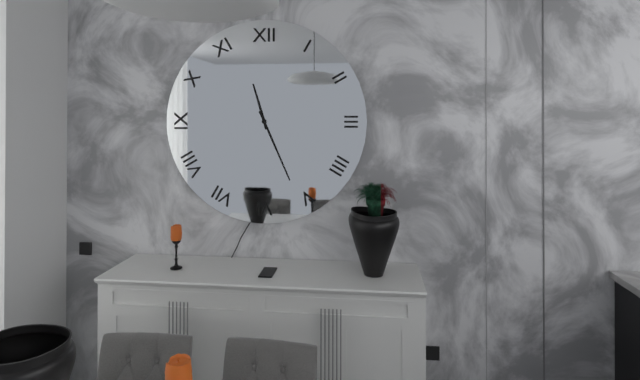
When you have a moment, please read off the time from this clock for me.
11:26
